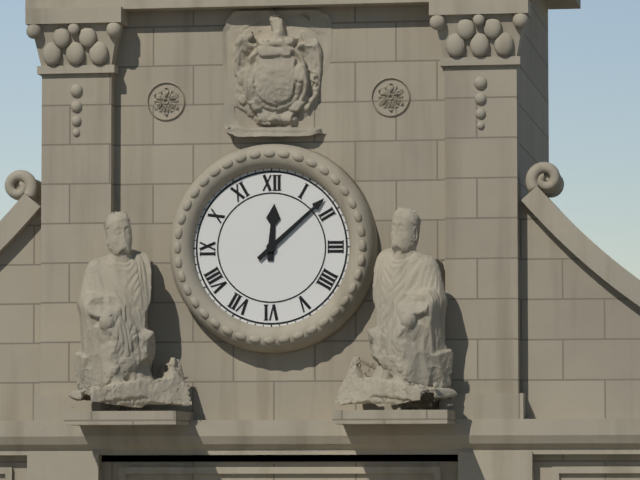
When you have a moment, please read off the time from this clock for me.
12:08
